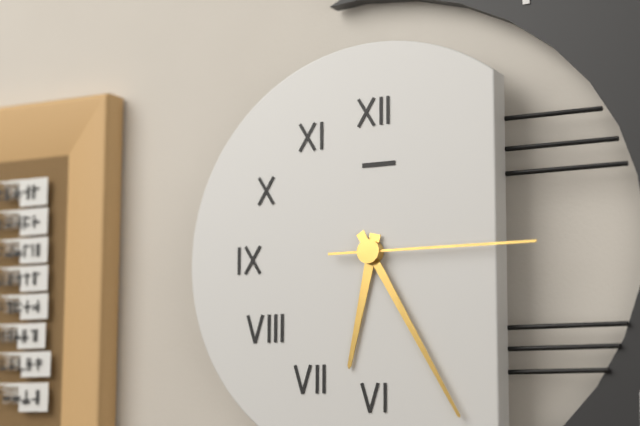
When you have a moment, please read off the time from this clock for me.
6:25:15
